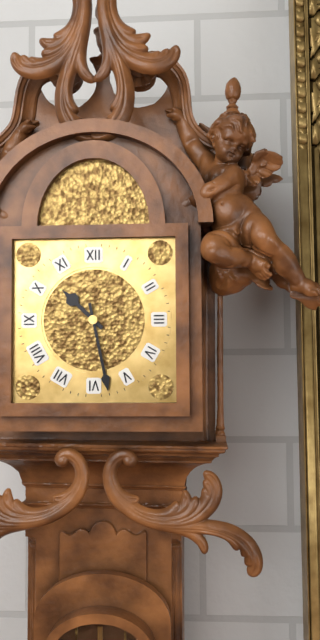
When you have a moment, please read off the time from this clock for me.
10:28
